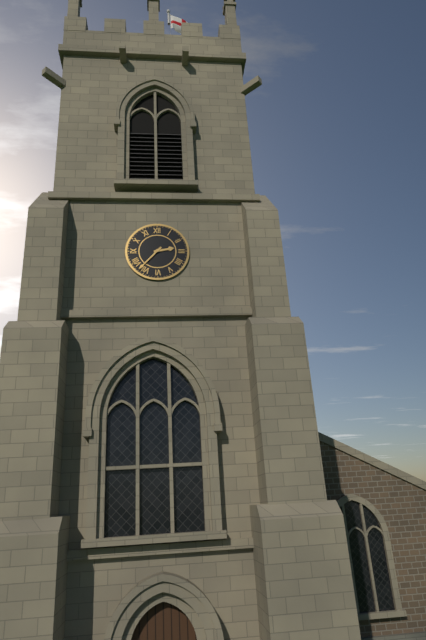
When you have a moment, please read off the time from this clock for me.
2:37
